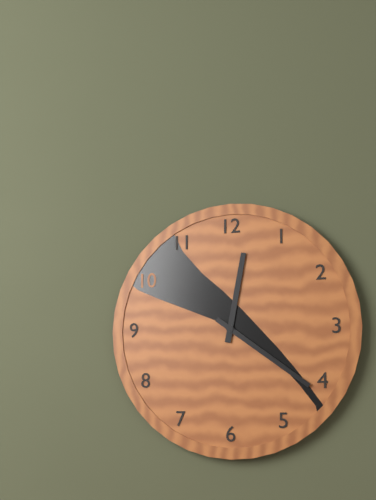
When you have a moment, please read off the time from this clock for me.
12:21
